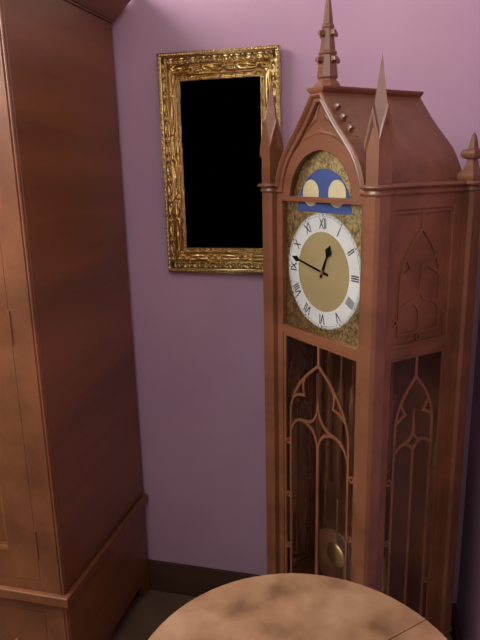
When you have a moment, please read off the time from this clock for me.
12:47
